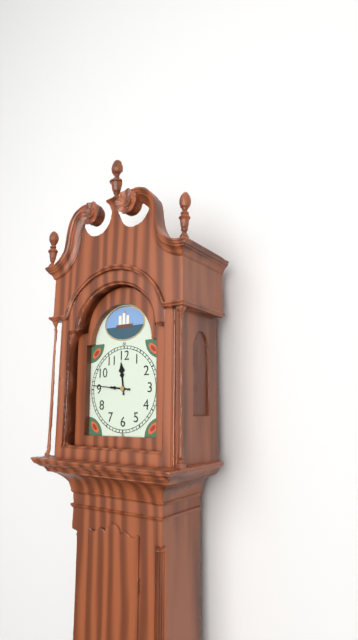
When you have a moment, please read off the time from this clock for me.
11:46
